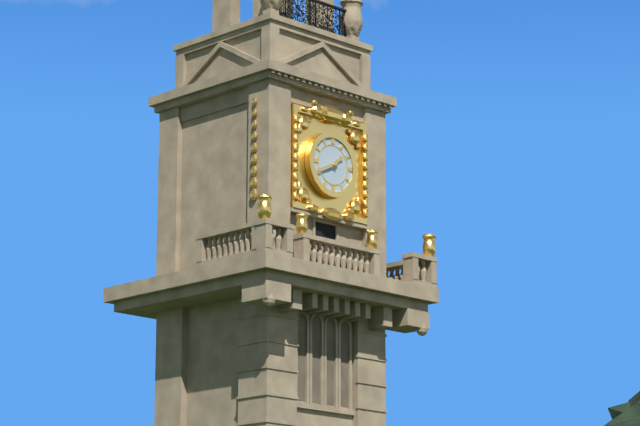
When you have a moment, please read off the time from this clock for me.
1:41
